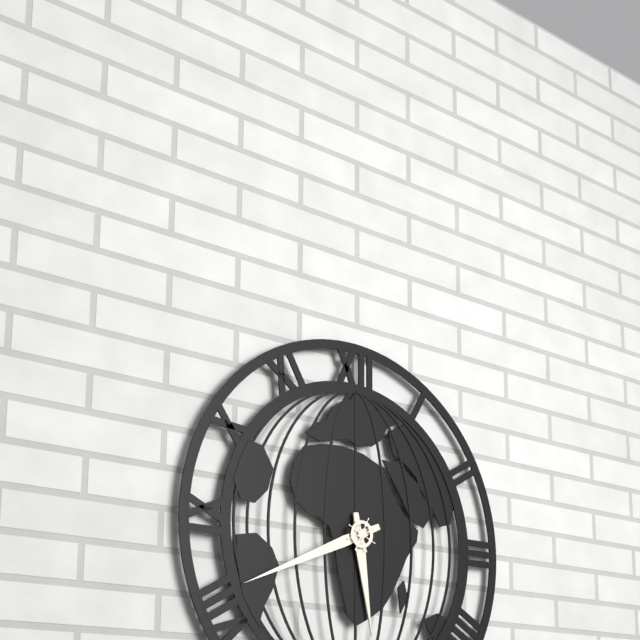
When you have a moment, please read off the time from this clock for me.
5:41
